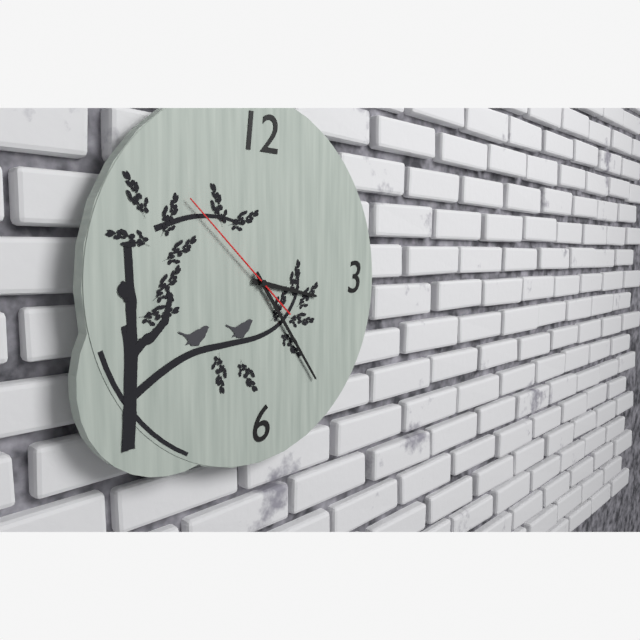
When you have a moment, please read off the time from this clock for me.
3:24:52
